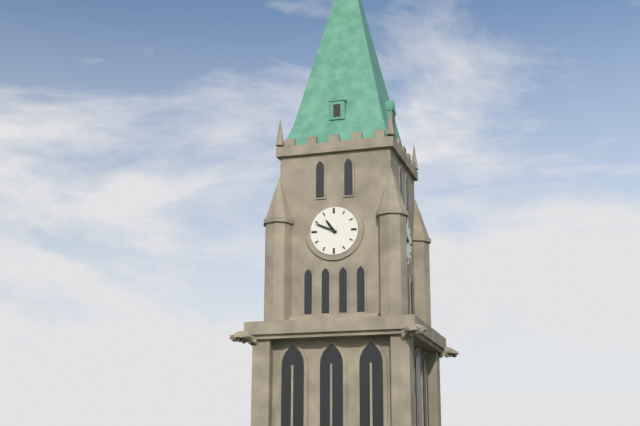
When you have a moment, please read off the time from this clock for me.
10:49
